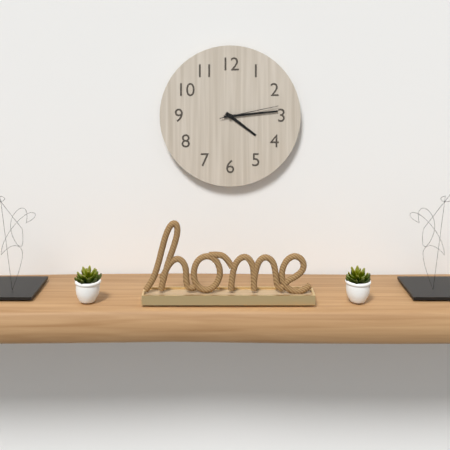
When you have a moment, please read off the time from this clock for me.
4:14:13
